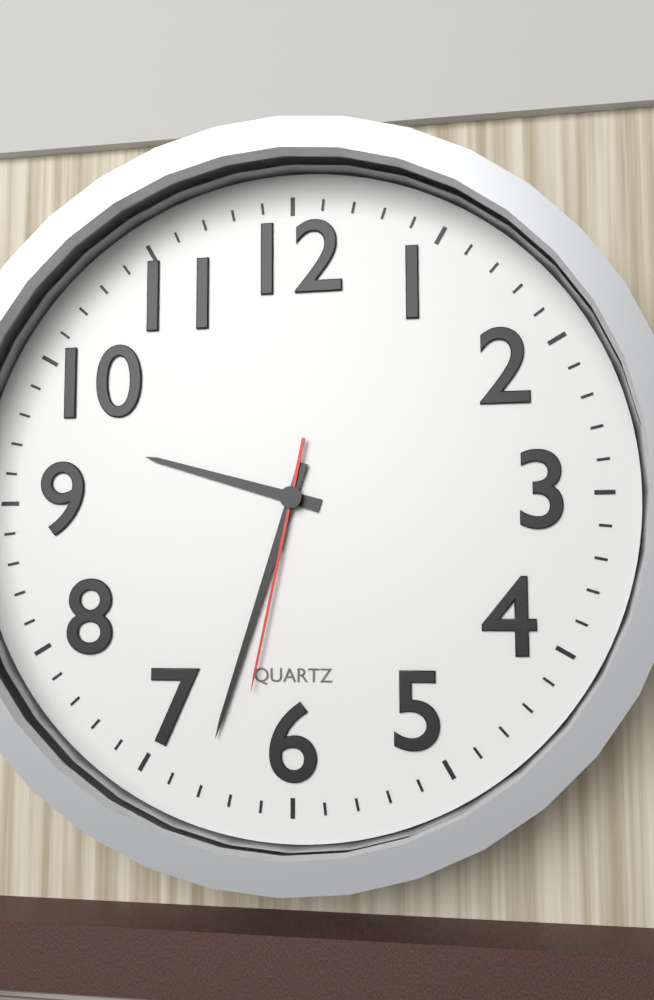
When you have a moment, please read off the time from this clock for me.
9:33:32
